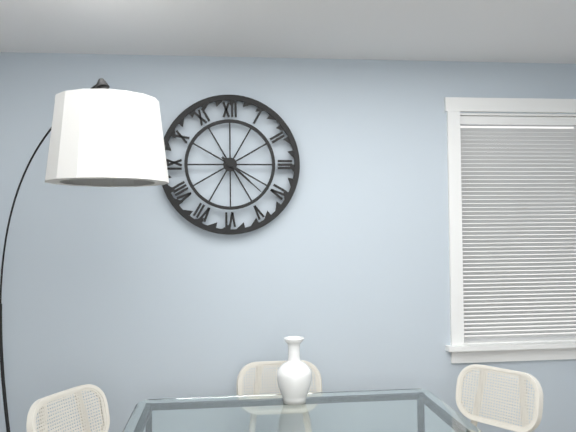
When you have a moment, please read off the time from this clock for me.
4:22
